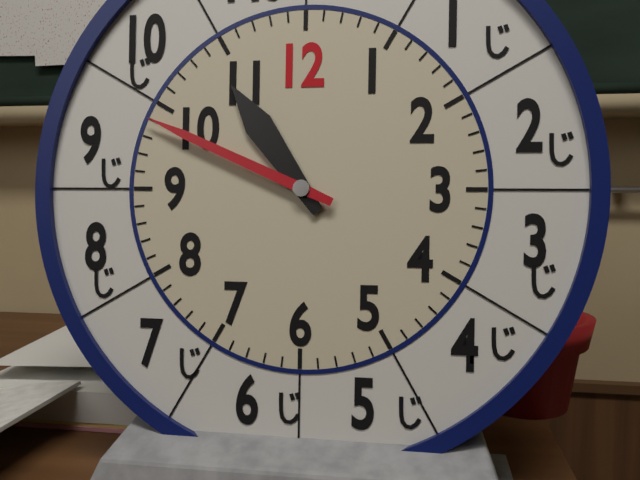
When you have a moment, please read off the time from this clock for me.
10:49
